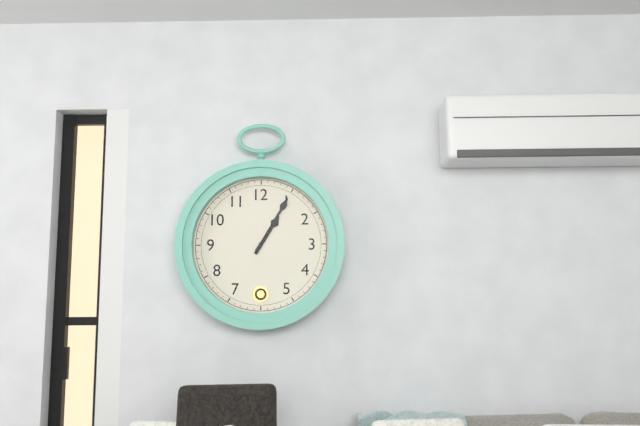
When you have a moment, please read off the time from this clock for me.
1:05
